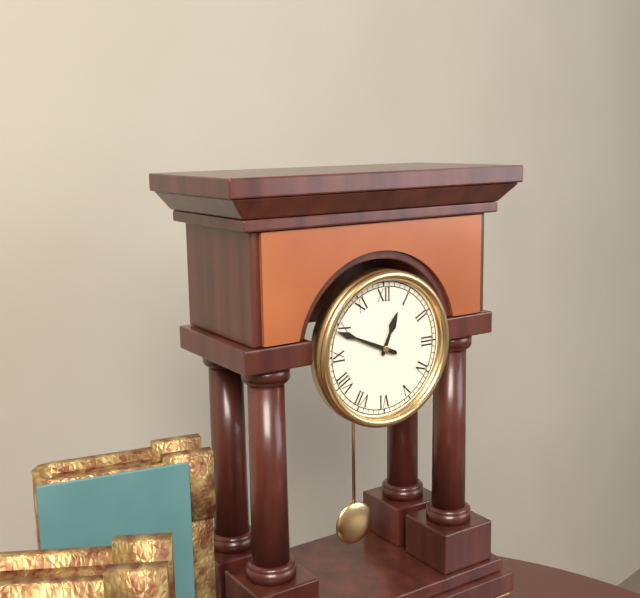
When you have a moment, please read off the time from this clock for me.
12:49
